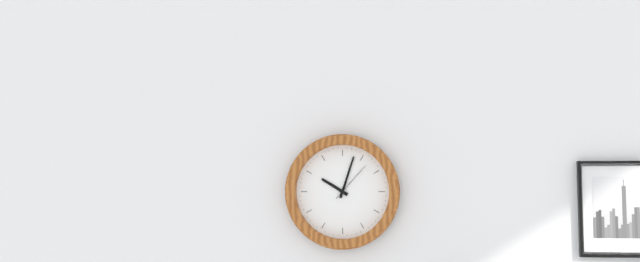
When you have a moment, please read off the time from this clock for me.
10:03
